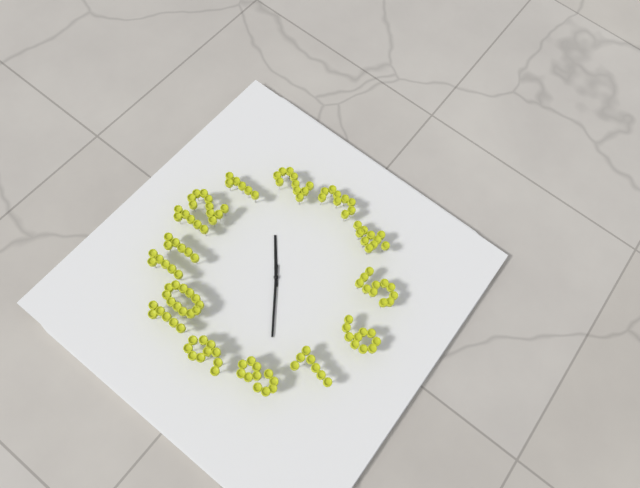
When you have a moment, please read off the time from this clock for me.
1:39
